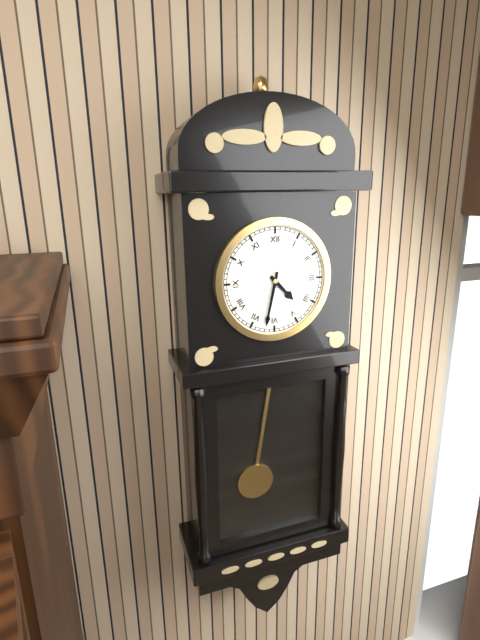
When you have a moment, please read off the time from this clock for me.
4:32
